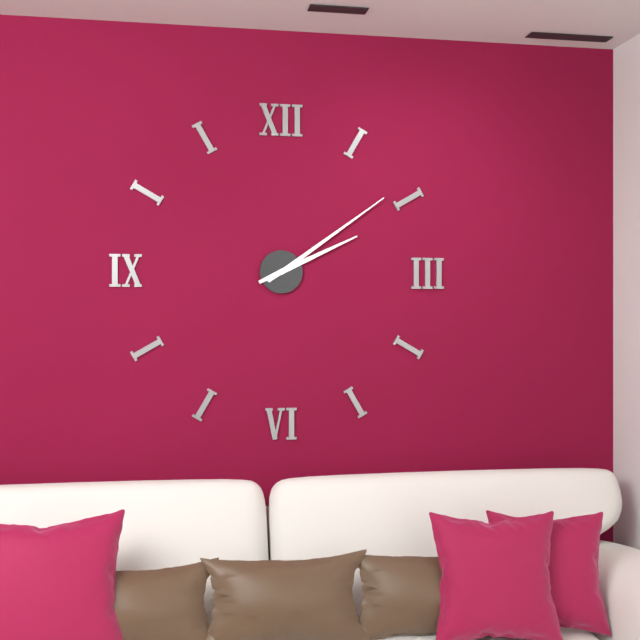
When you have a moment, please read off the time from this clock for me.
2:09
